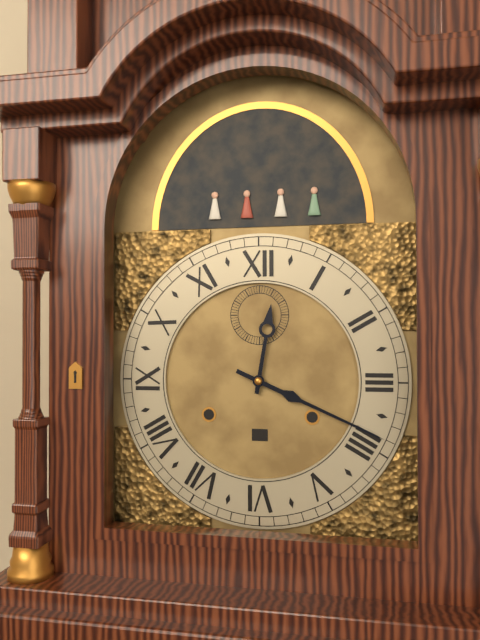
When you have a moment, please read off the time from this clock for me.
12:19
